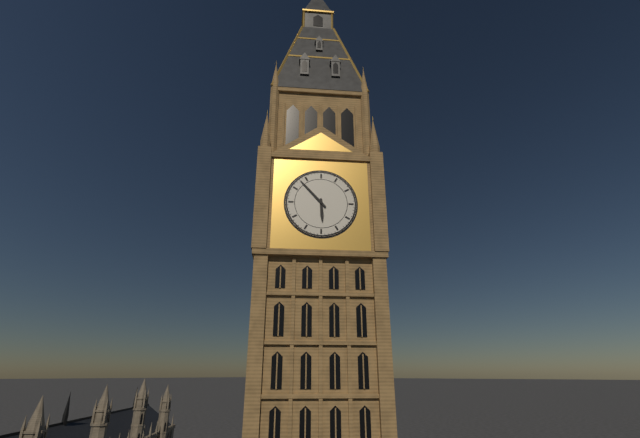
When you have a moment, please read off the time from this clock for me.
5:53
